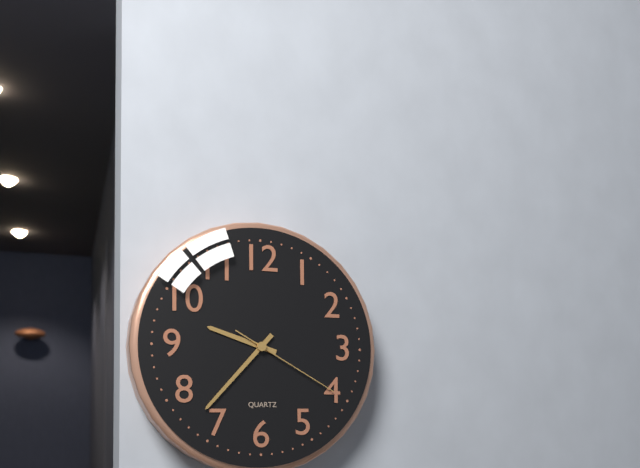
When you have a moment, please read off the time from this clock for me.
9:37:20
